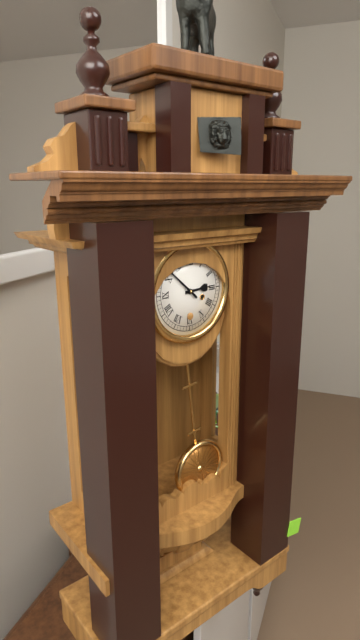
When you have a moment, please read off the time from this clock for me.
2:52
